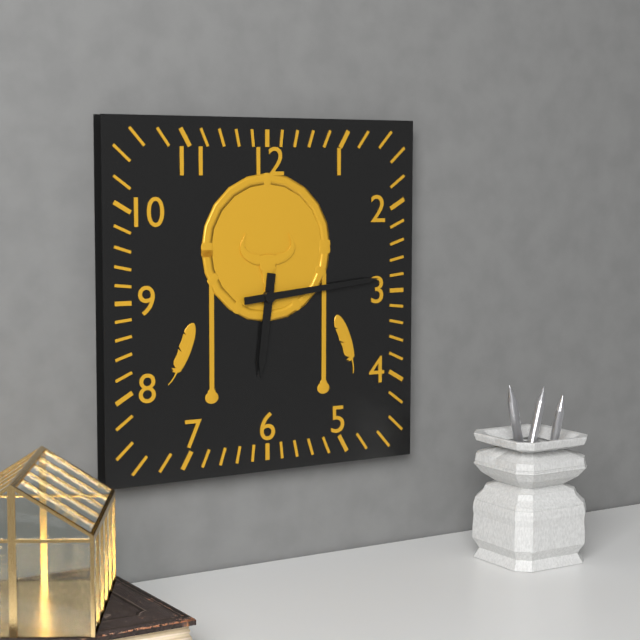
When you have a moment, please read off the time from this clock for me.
6:14
